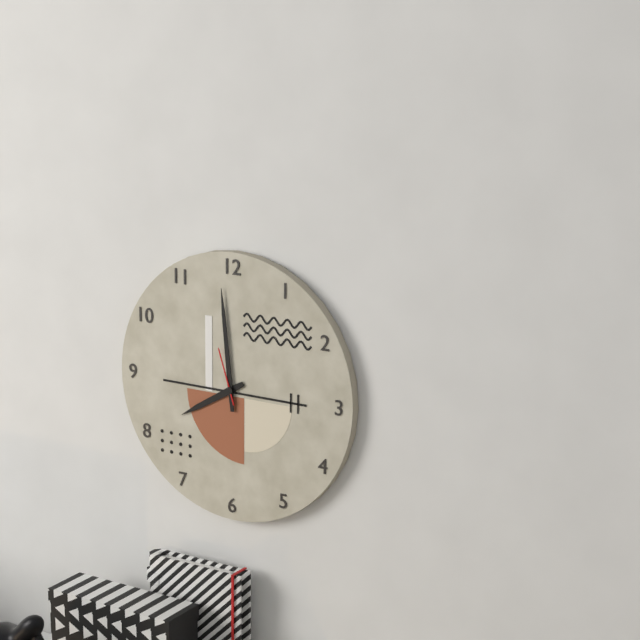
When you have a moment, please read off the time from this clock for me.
7:59:57
